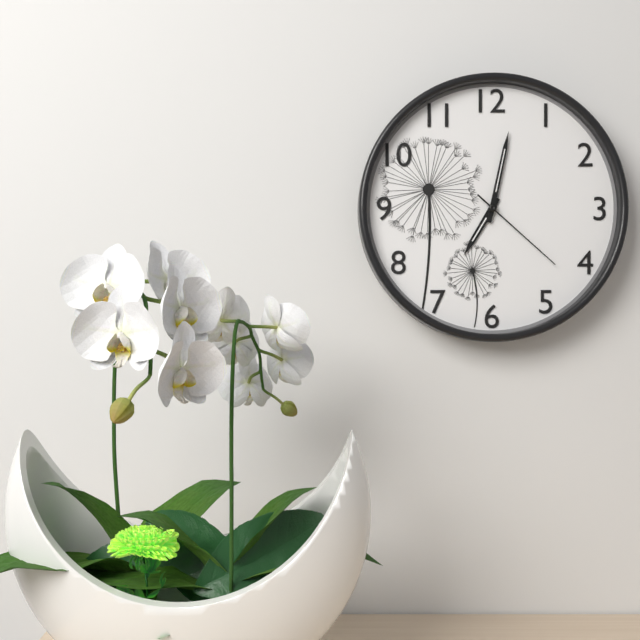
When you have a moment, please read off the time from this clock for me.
7:02:22
